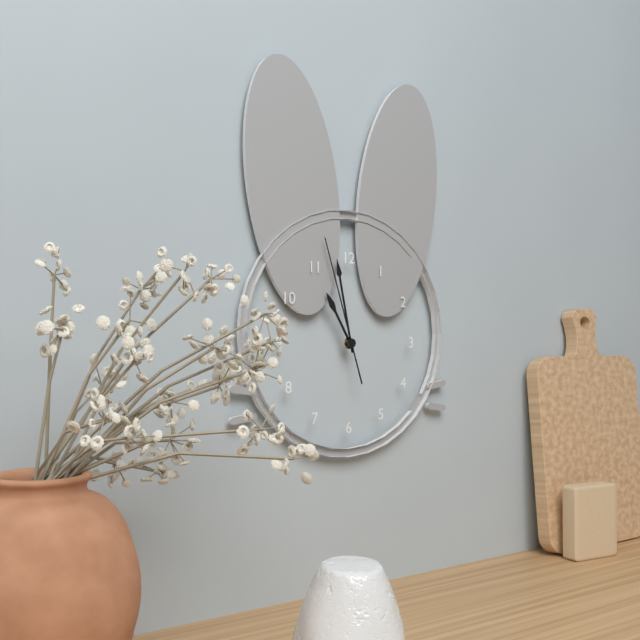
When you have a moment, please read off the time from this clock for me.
10:58:57
